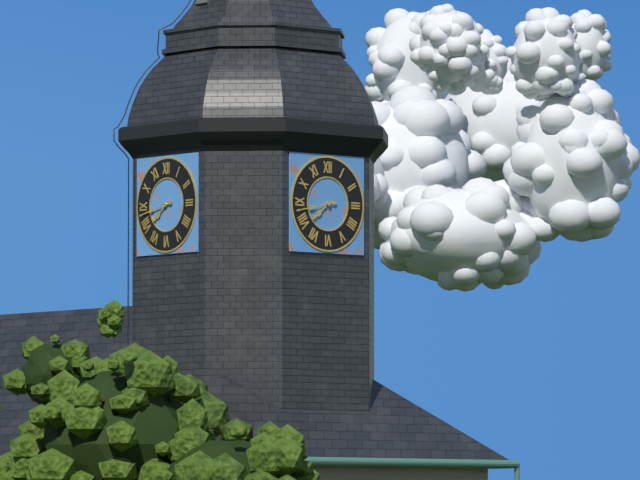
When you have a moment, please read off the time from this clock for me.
7:43
